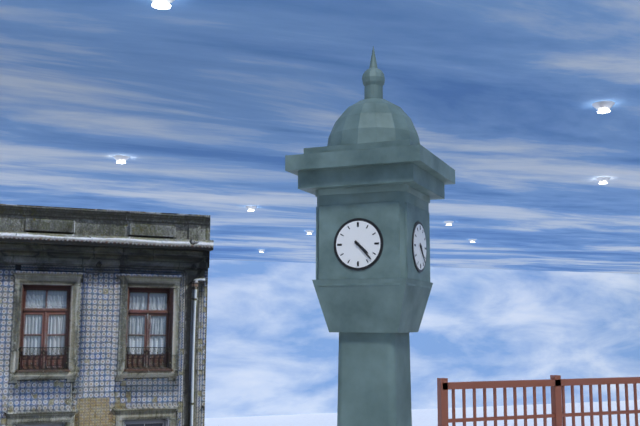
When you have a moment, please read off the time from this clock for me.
4:23
